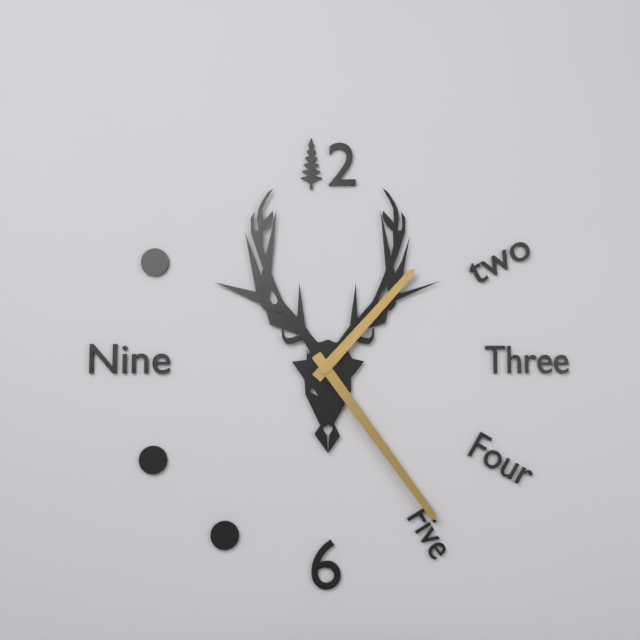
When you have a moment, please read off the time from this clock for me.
1:24
